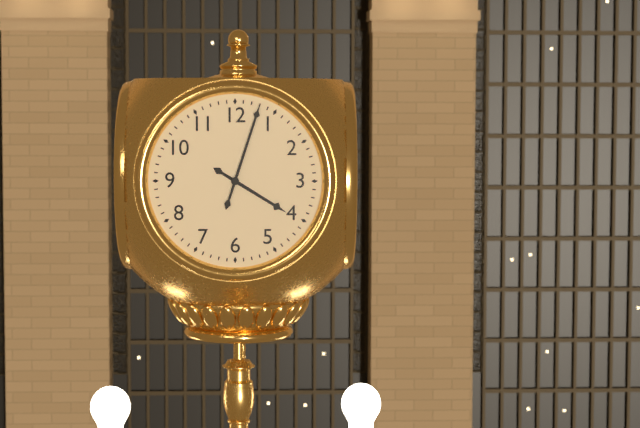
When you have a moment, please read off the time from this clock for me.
4:03
